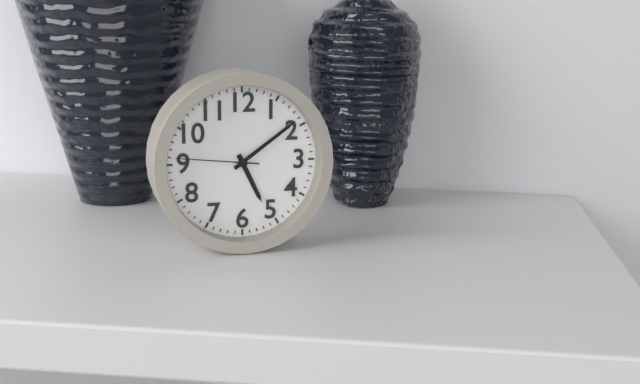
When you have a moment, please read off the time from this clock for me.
5:09:46
